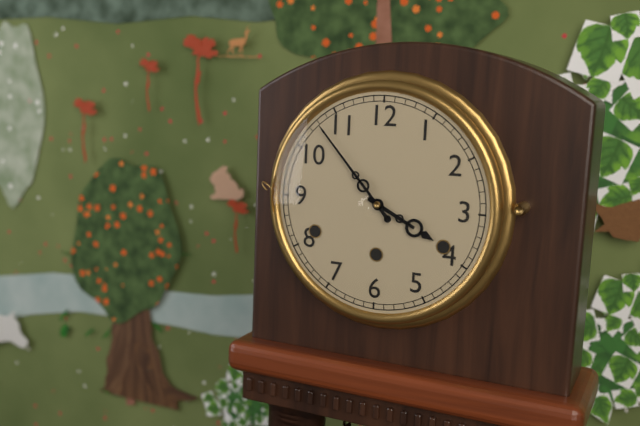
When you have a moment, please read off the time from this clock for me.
3:53
